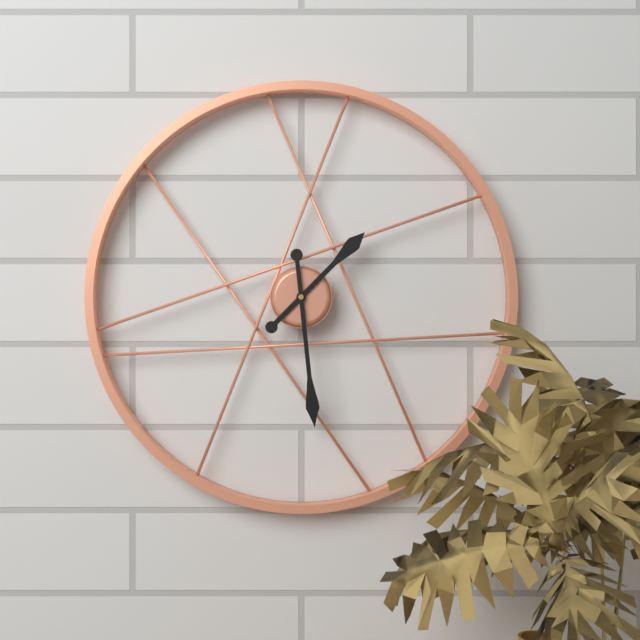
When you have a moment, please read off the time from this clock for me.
1:29
